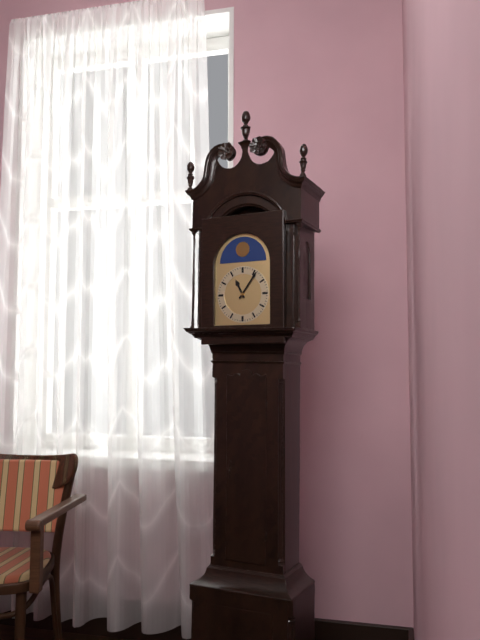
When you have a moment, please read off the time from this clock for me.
11:06
